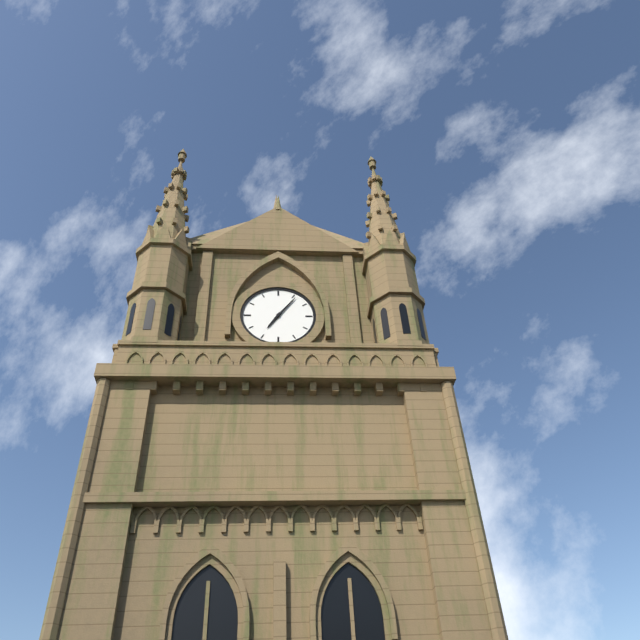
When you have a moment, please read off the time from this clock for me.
7:06
